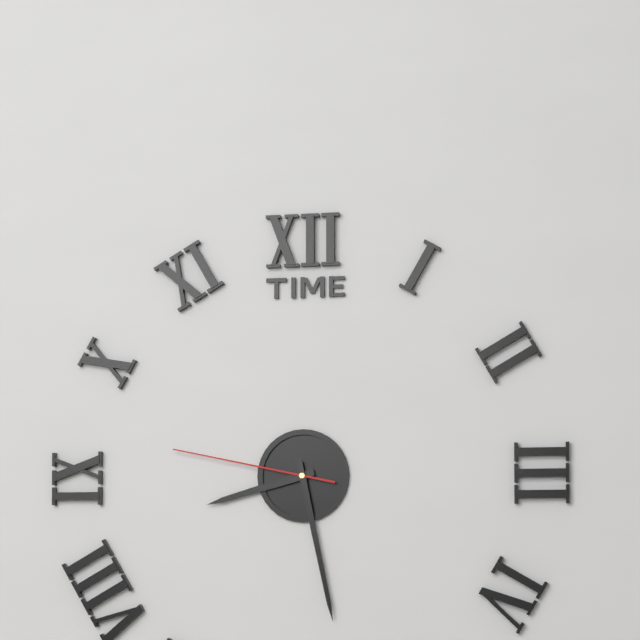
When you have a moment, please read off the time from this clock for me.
8:28:47
